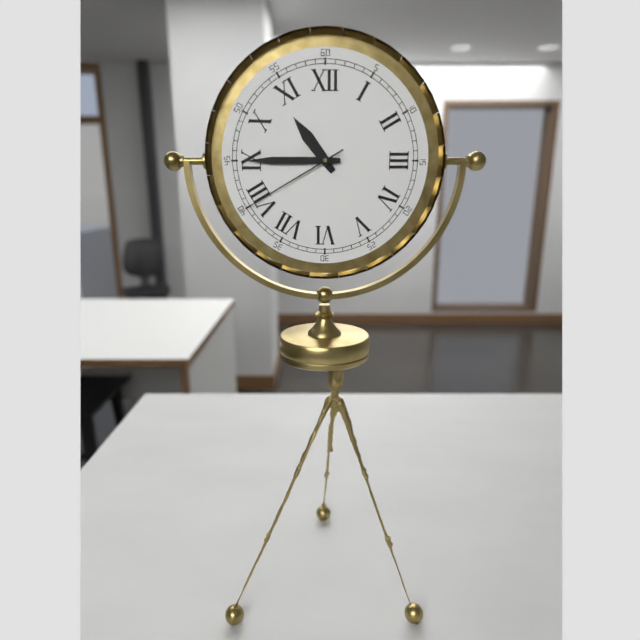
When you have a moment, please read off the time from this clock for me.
10:45:40
